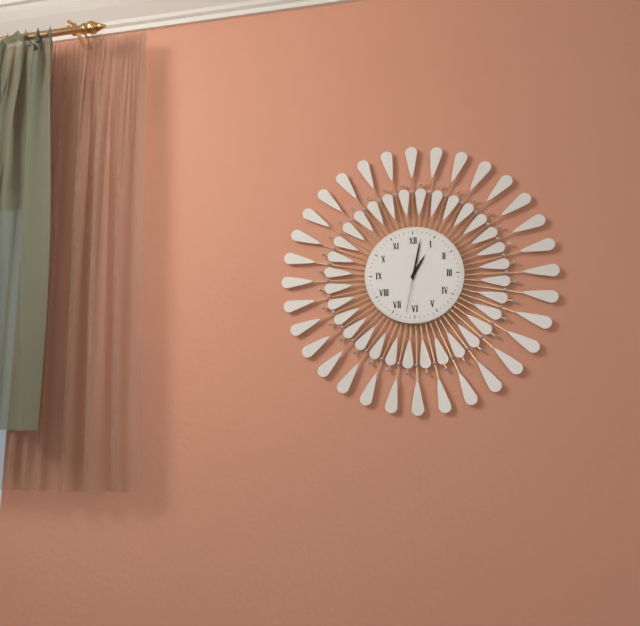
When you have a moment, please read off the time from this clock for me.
1:02
